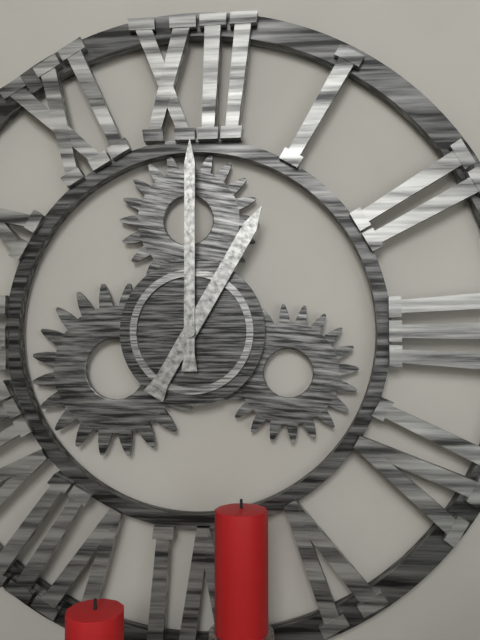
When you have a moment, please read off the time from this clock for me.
1:00
